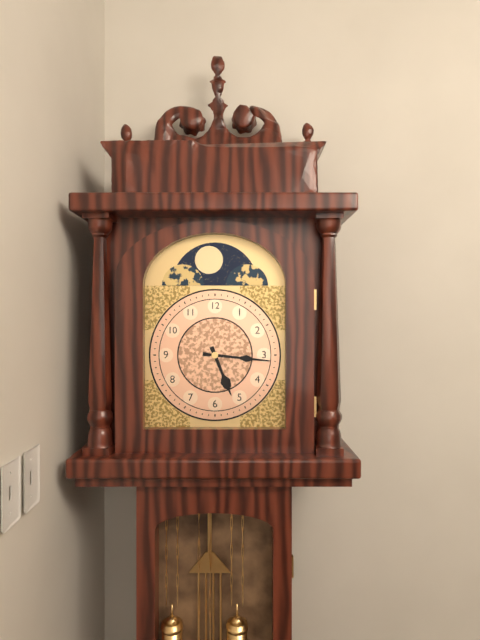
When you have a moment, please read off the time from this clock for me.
5:16
